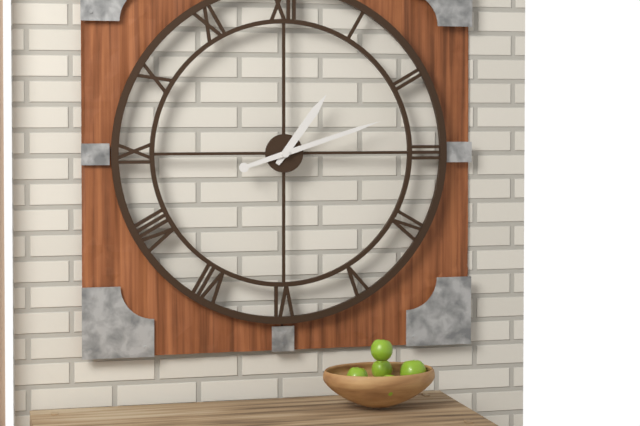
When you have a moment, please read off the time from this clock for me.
1:12
